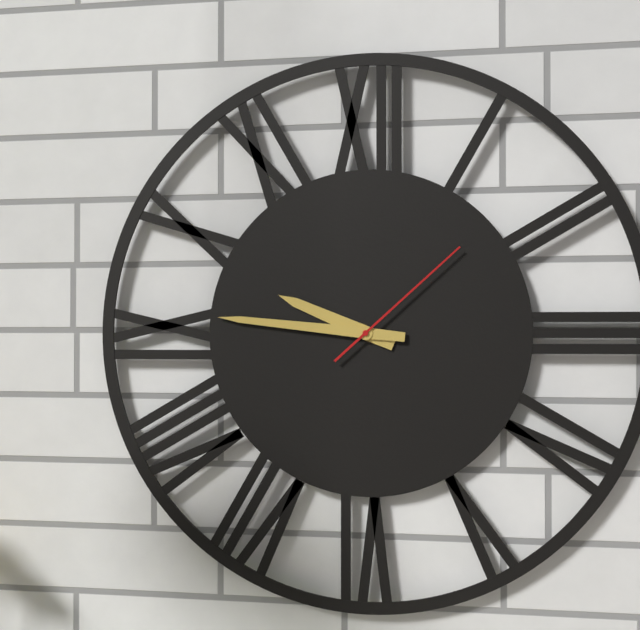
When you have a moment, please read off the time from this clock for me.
9:46:08
